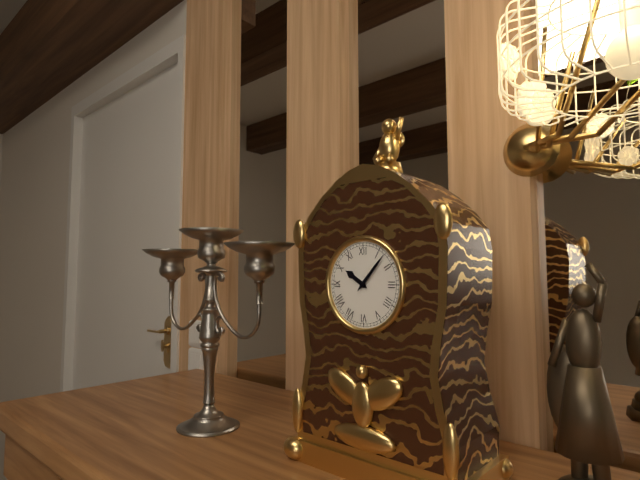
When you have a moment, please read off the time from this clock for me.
10:07
